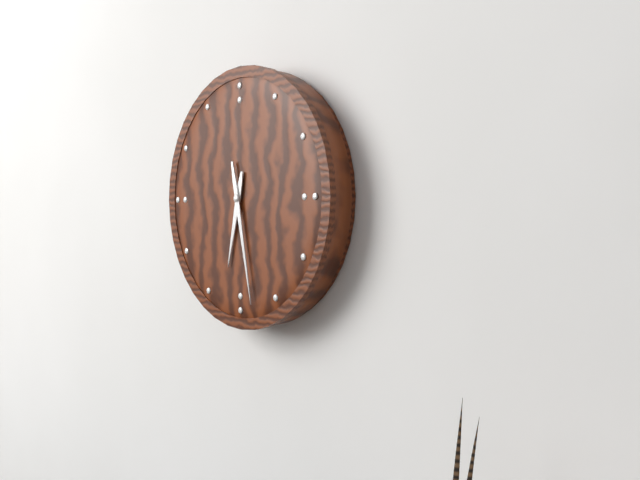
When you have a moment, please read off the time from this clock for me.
6:28
